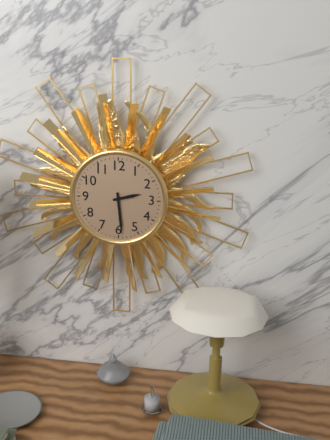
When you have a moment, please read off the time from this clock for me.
2:29
